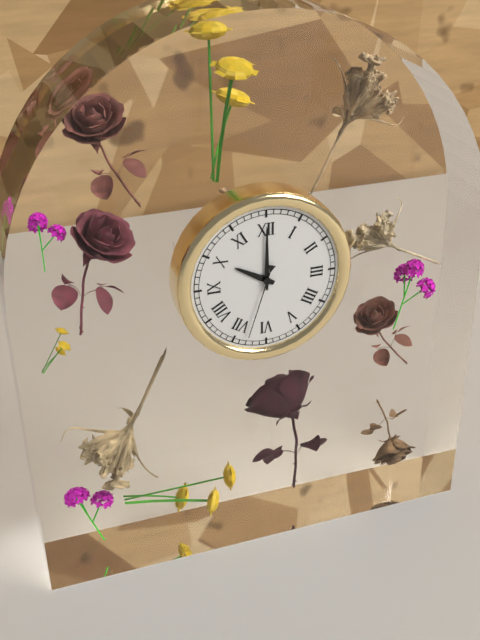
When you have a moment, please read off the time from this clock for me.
10:00:33
